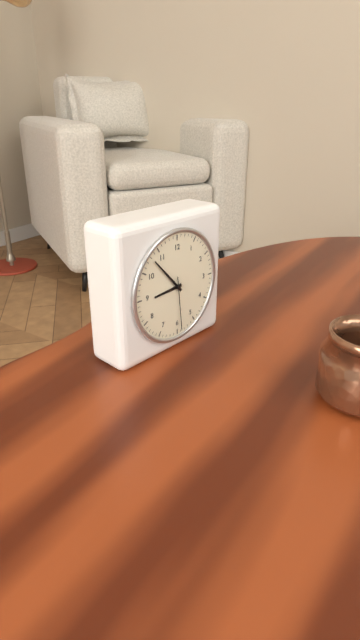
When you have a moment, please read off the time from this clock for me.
8:53:29
